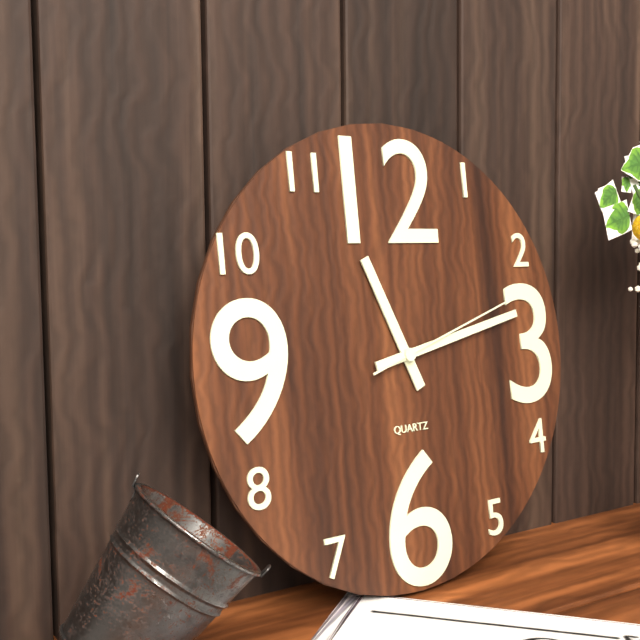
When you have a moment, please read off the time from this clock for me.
11:13:12
